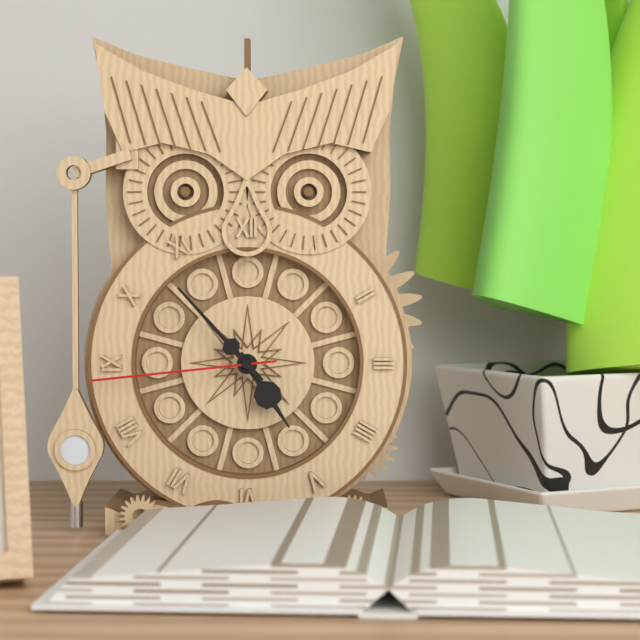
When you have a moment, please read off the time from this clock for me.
4:53:44
